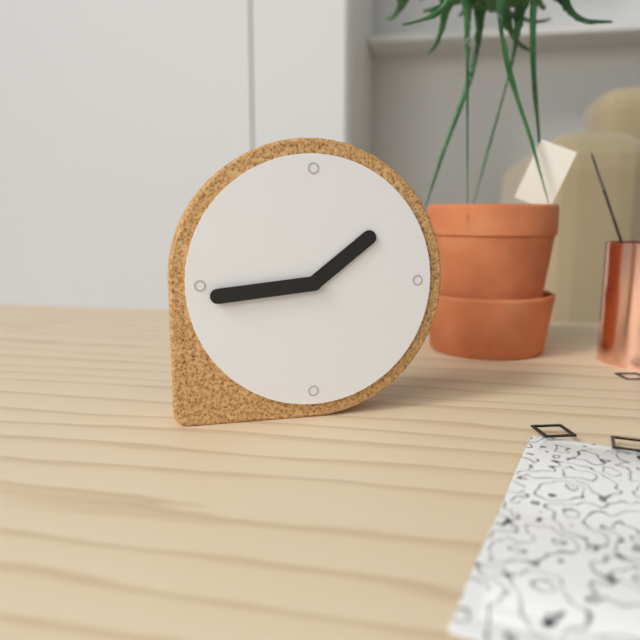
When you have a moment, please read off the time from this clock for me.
1:44
